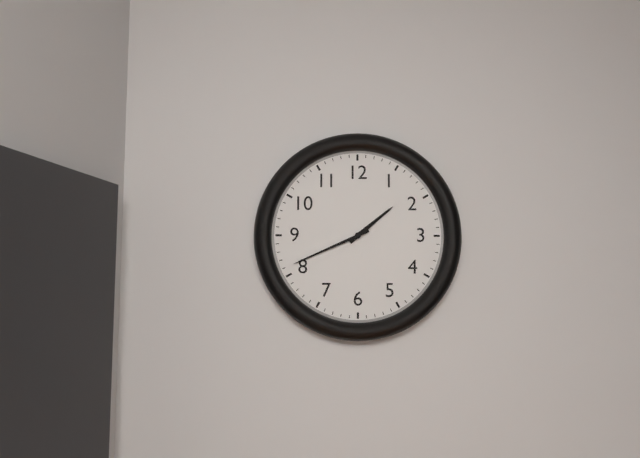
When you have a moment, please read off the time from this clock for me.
1:41
